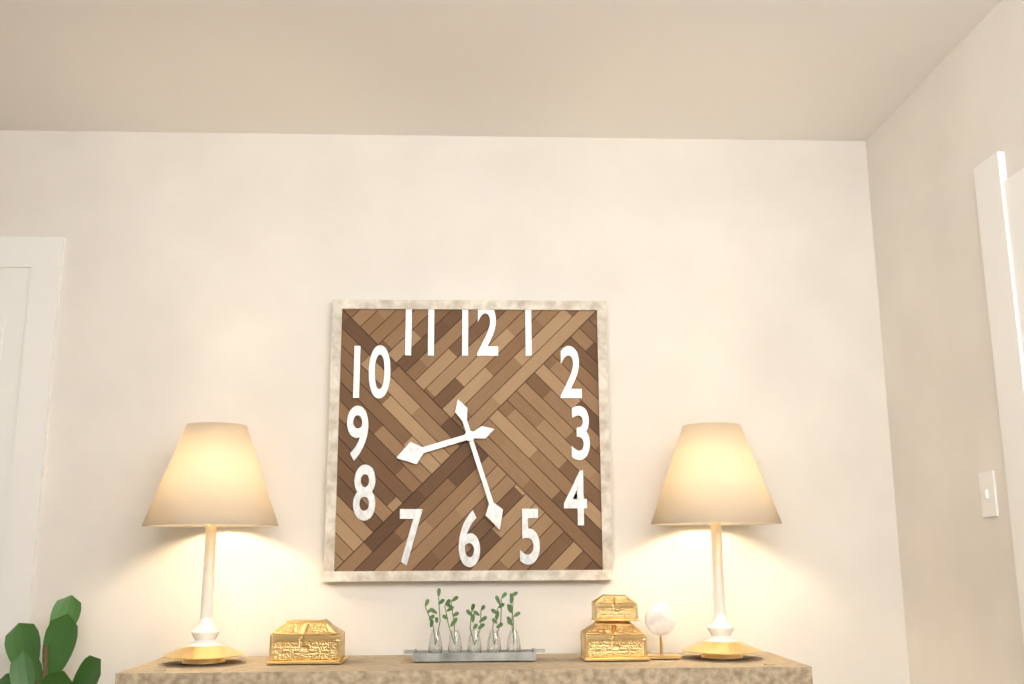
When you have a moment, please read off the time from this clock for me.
8:27
